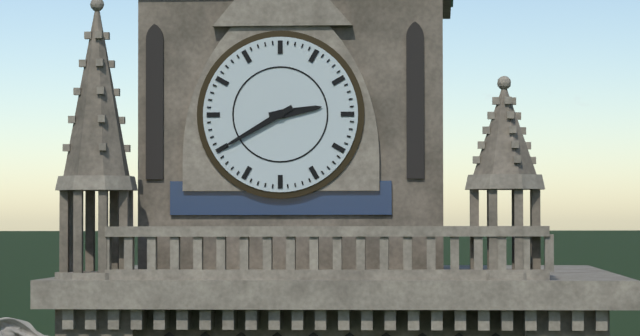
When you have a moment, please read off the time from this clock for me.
2:40
